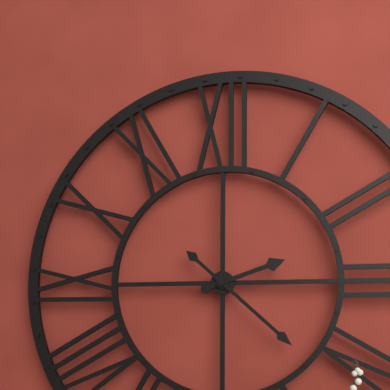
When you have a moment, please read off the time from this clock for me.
2:22
